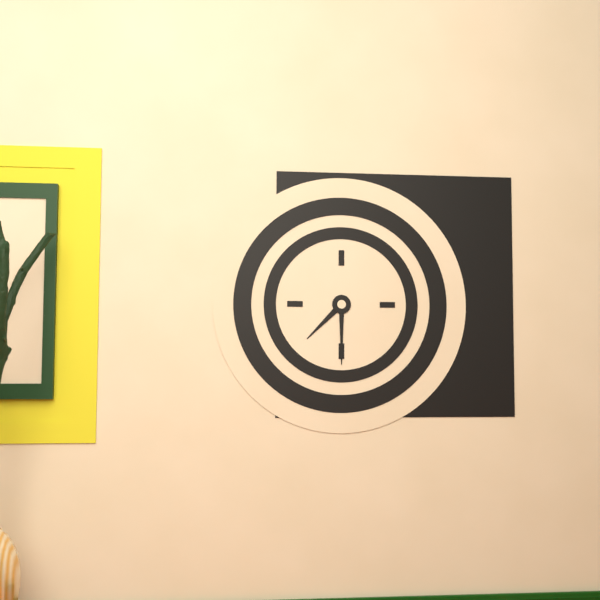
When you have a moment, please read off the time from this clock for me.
7:30
